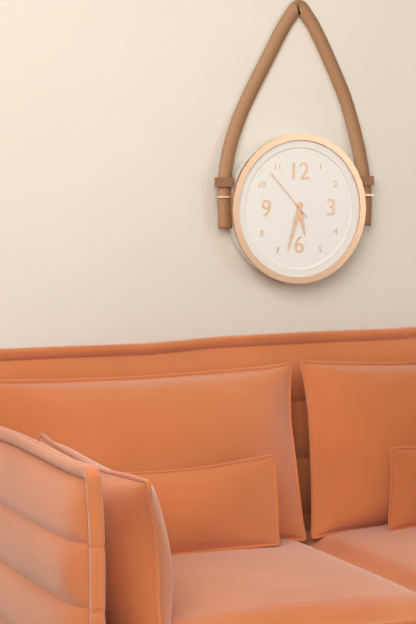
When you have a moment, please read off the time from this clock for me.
5:33:53
